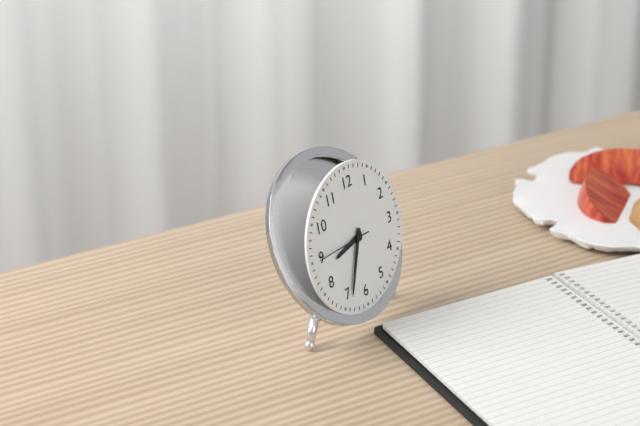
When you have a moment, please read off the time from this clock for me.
8:34:45
